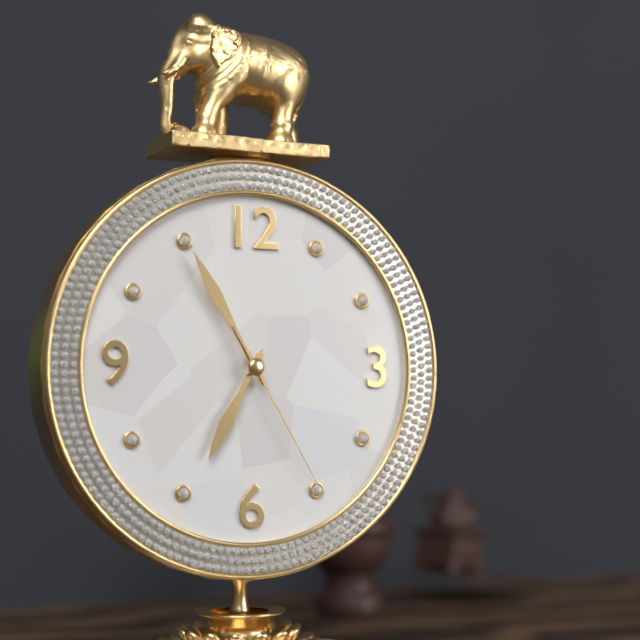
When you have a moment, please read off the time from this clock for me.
6:55:25
